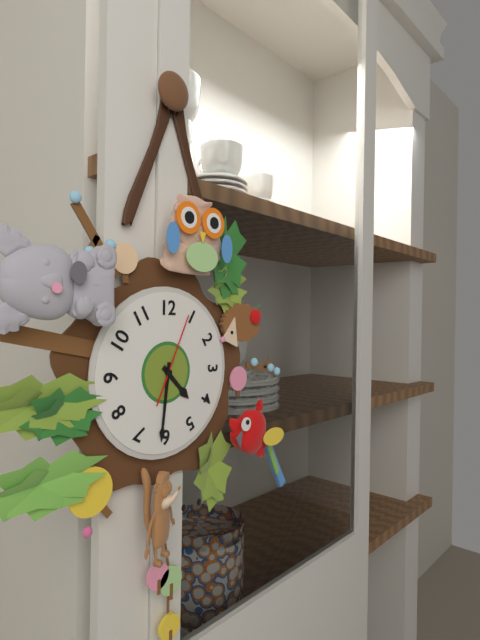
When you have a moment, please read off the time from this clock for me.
4:31:04
